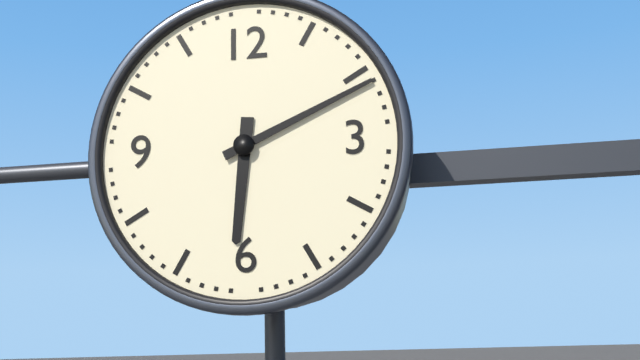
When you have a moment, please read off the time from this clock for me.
6:11
